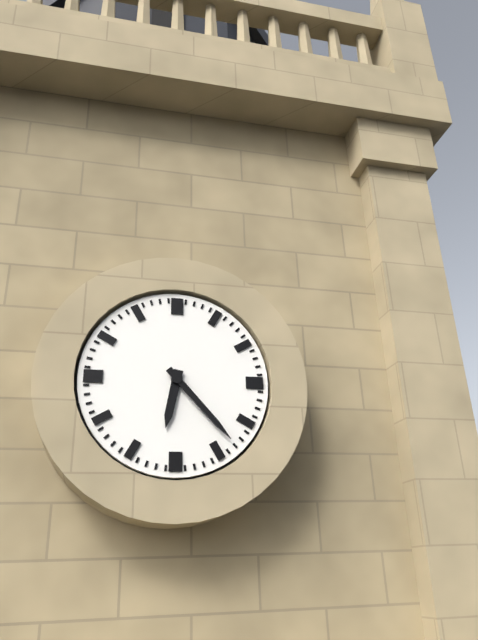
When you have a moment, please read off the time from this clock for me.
6:23
